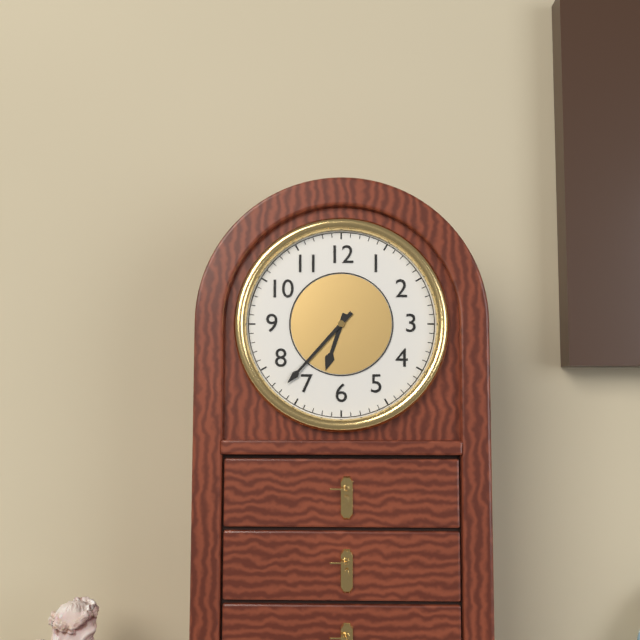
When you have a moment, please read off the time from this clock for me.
6:37
